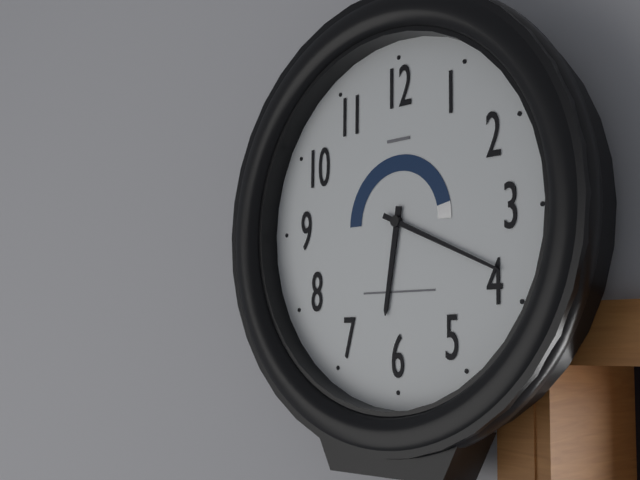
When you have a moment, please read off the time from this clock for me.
6:19
